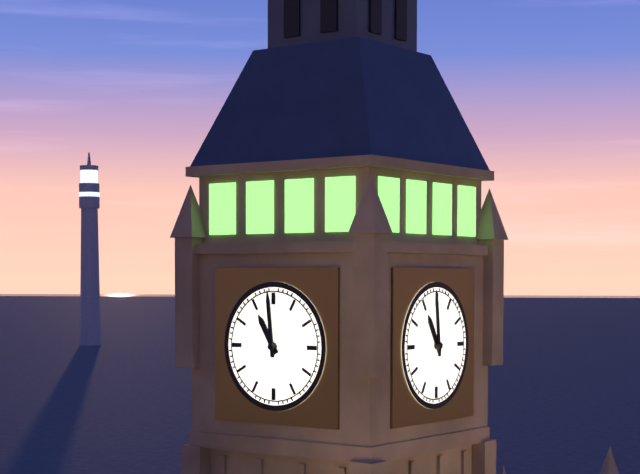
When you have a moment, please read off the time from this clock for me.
10:59
